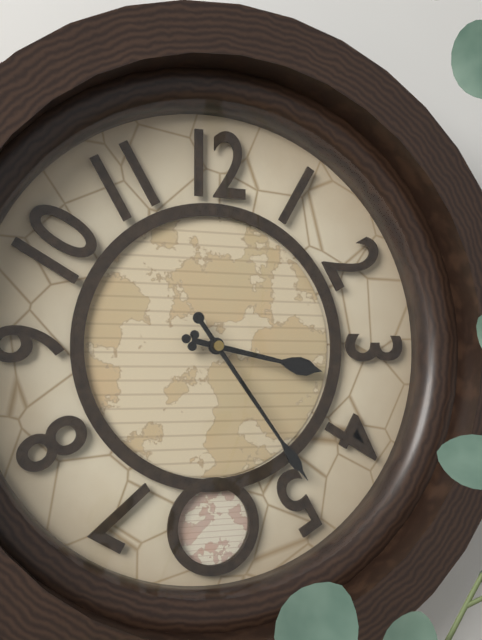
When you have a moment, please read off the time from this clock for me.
3:24
